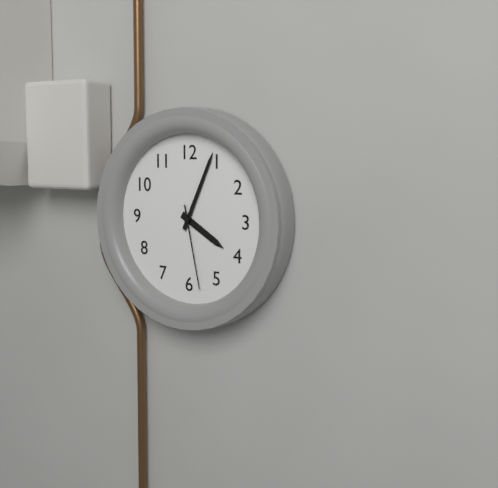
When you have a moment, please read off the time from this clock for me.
4:04:28
